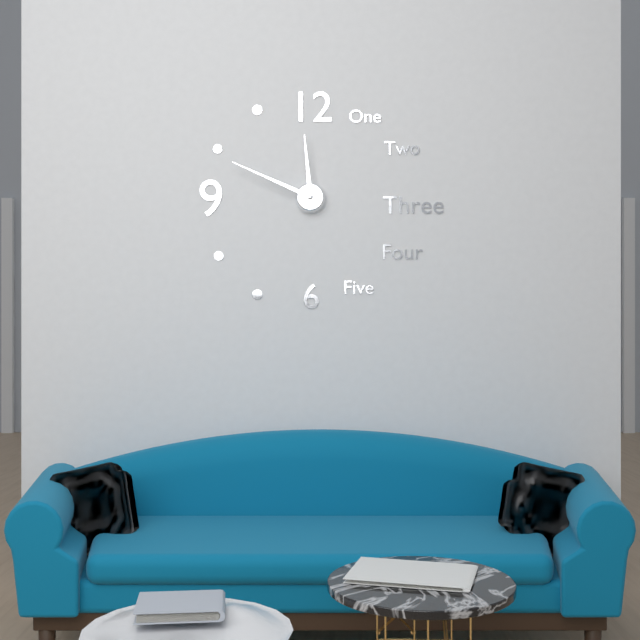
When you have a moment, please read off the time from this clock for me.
11:49
